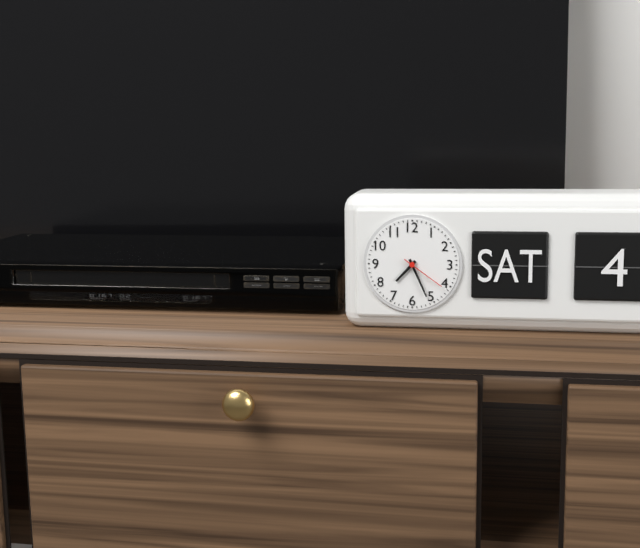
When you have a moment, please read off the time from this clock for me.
7:26
